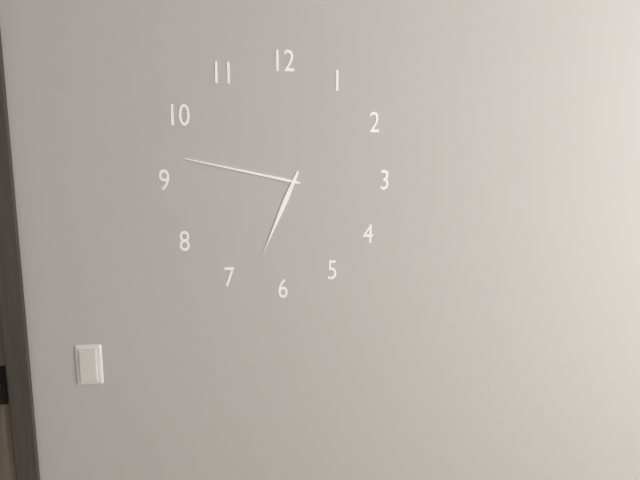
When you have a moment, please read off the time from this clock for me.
6:47
